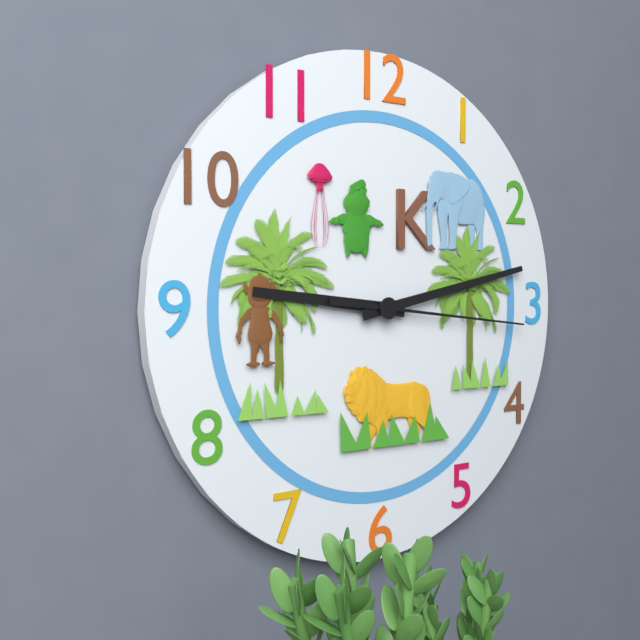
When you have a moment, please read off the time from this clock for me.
9:13:16
